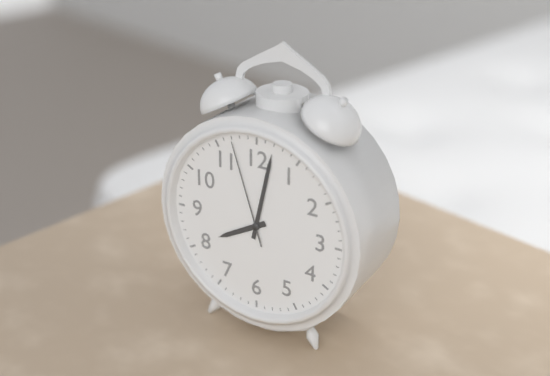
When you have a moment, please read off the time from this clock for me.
8:02:57
